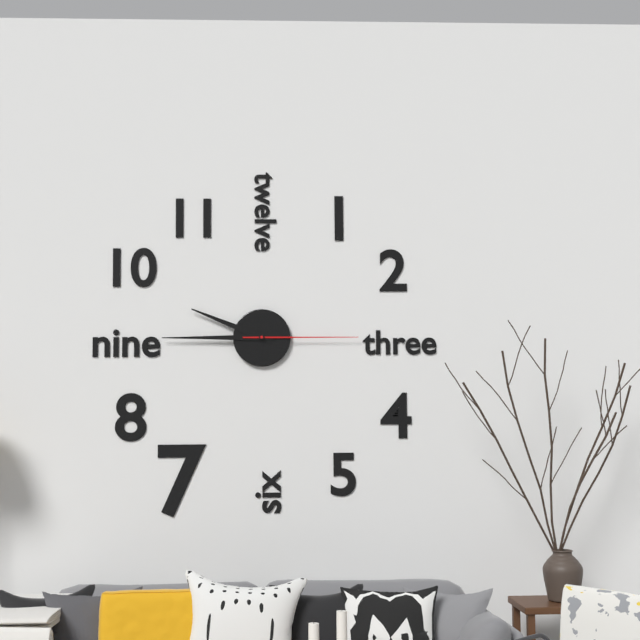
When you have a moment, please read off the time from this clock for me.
9:45:15
